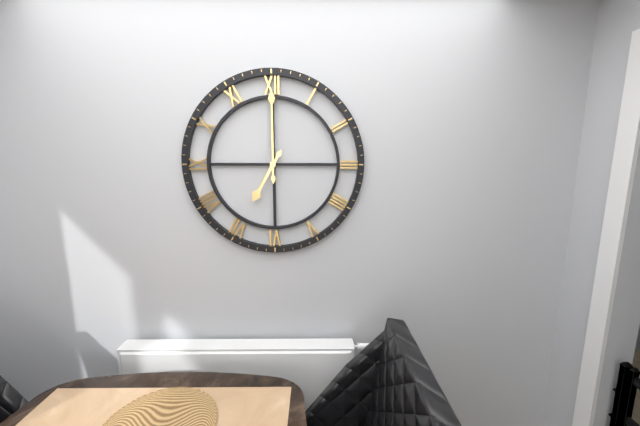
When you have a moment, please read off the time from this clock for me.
7:00
